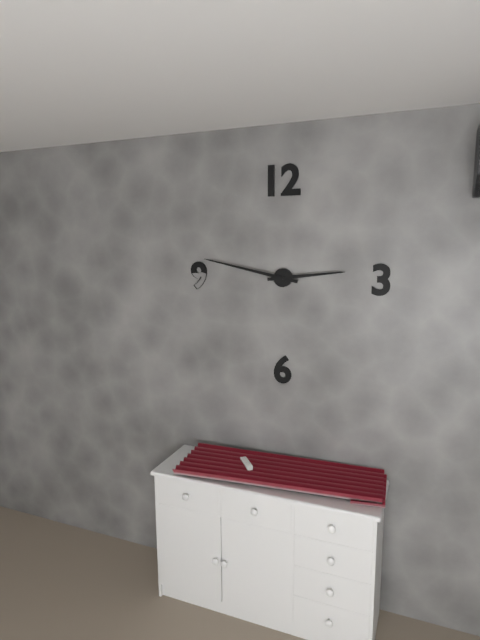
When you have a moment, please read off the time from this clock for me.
2:47
